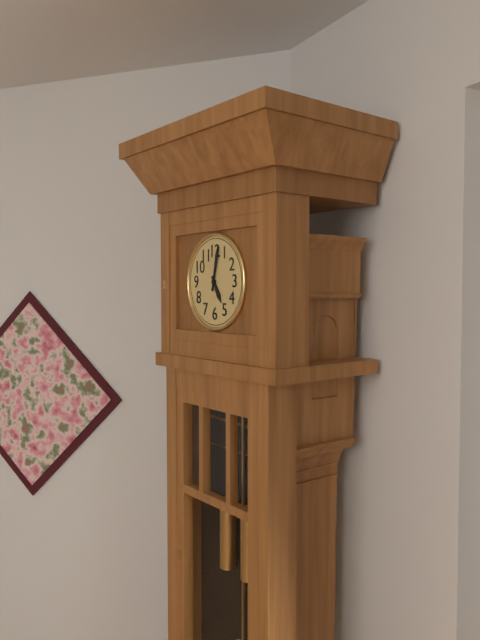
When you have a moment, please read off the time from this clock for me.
5:02
